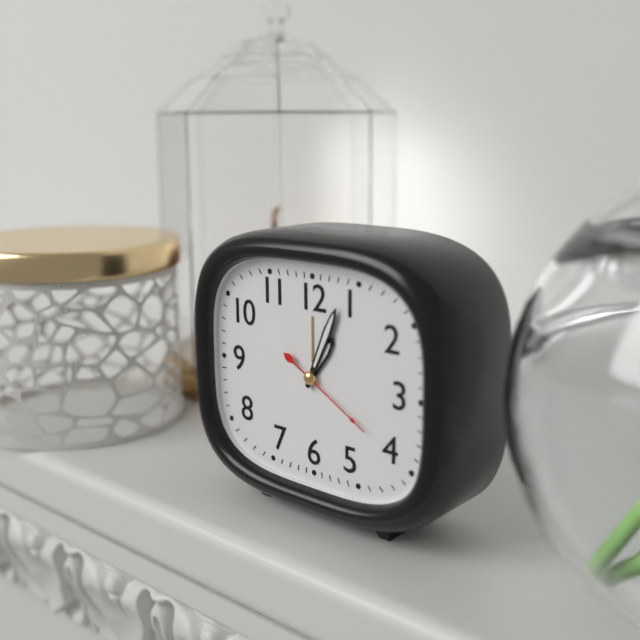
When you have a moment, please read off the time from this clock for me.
1:04:20
